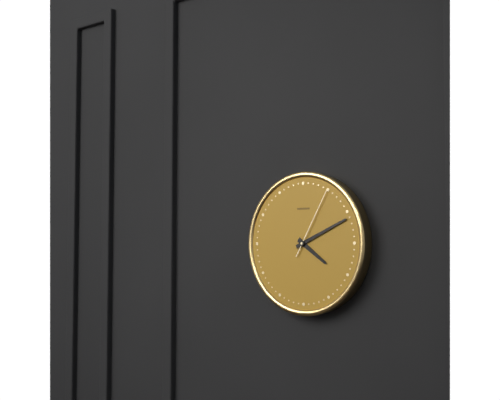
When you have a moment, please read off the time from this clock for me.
4:11:05
